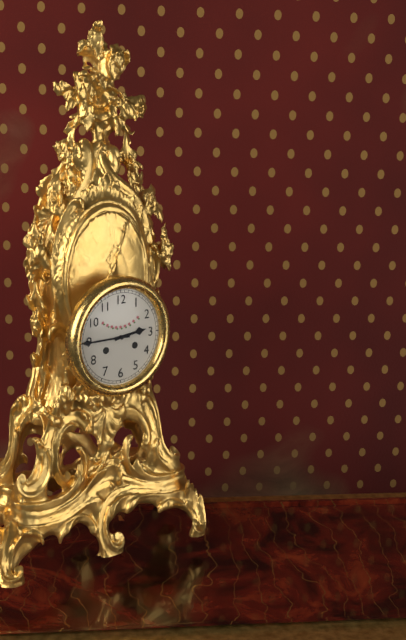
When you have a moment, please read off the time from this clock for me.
2:45
